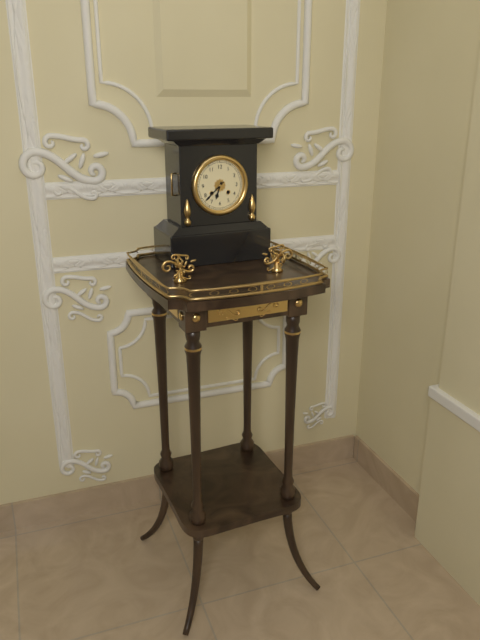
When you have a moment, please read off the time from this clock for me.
6:38
